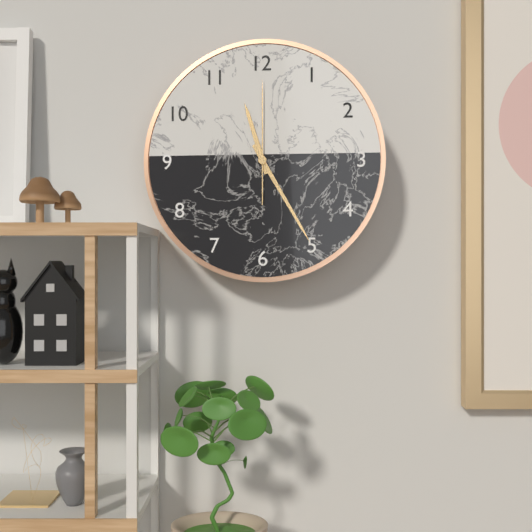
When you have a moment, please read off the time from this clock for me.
11:25:00
